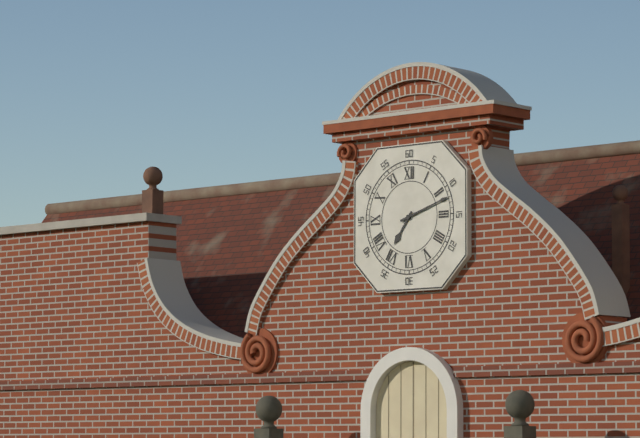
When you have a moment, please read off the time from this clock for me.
7:12
